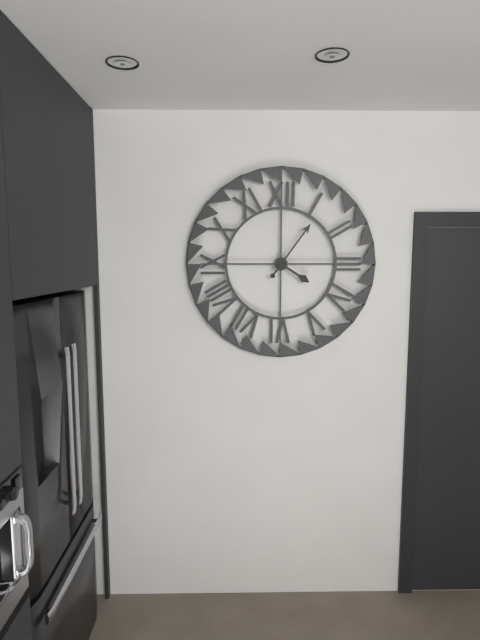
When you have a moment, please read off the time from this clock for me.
4:06
